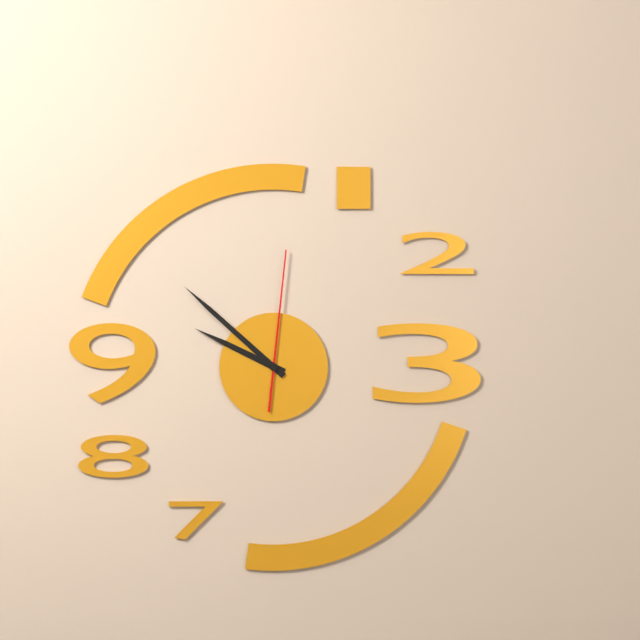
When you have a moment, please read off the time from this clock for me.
9:52:01
